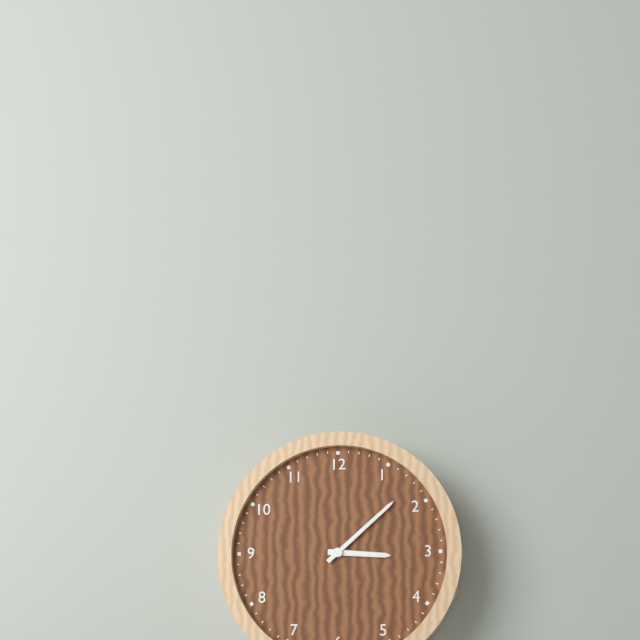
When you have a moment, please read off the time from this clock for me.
3:08
